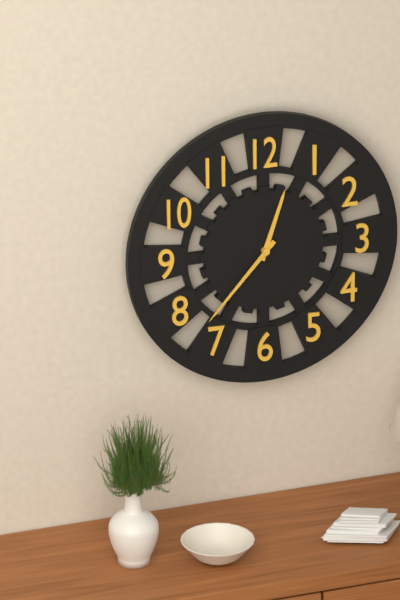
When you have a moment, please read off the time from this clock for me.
12:37
